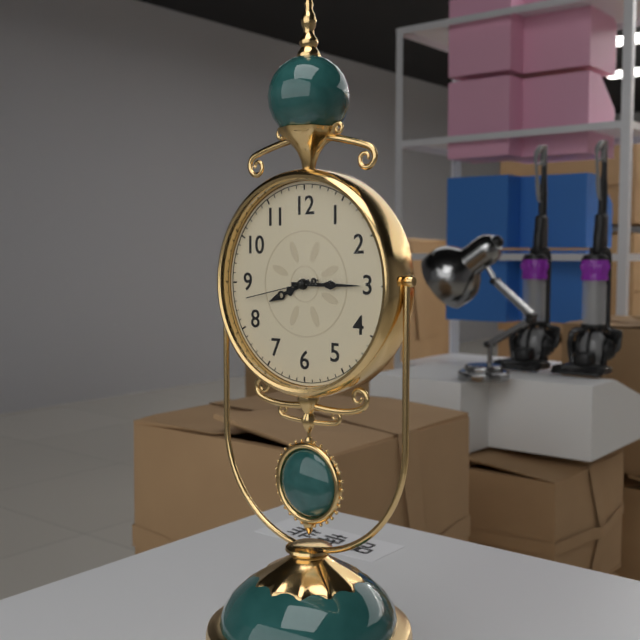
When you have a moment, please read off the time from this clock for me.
8:15:43
